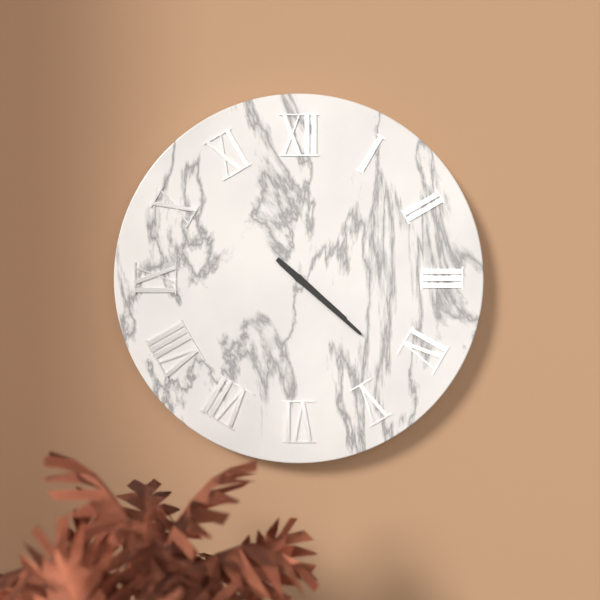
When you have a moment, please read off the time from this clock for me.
4:22
